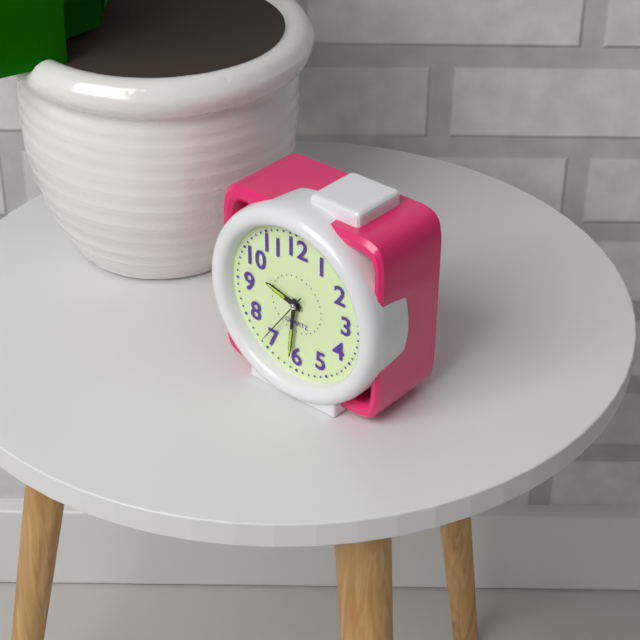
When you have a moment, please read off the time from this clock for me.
9:31:36
